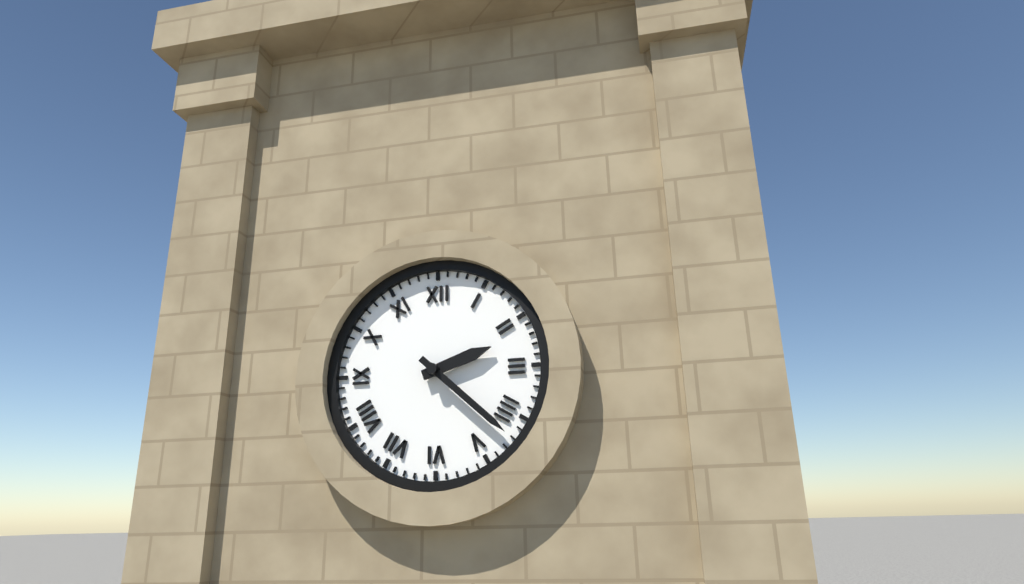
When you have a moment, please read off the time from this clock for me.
2:22
